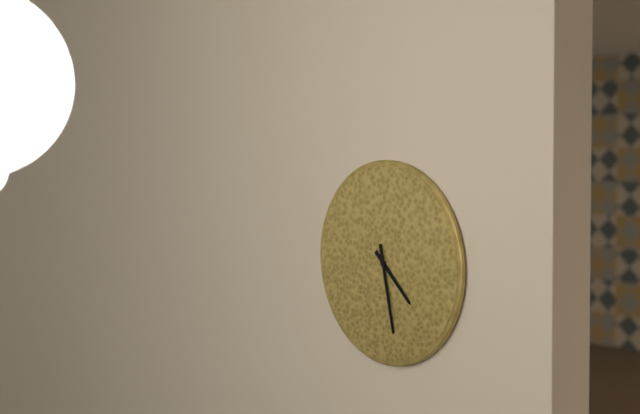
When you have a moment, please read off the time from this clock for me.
4:28
